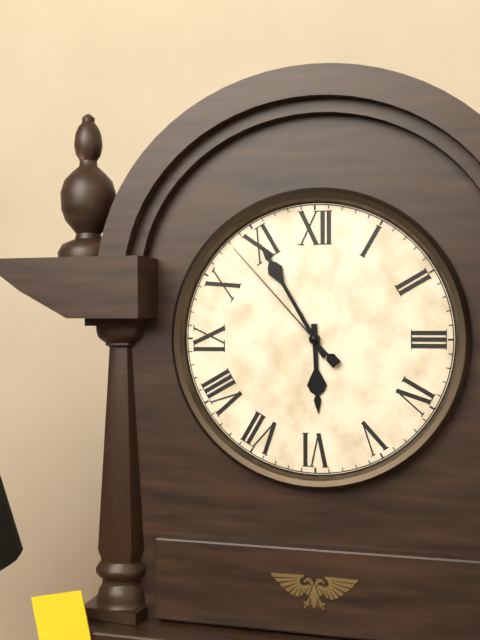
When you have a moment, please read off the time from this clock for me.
5:55:53
